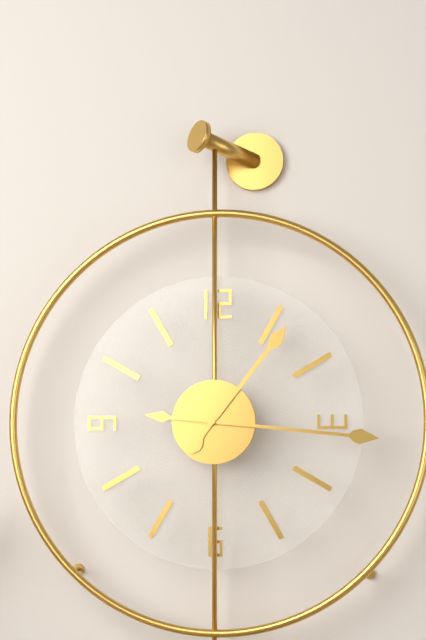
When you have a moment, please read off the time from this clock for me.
1:16
